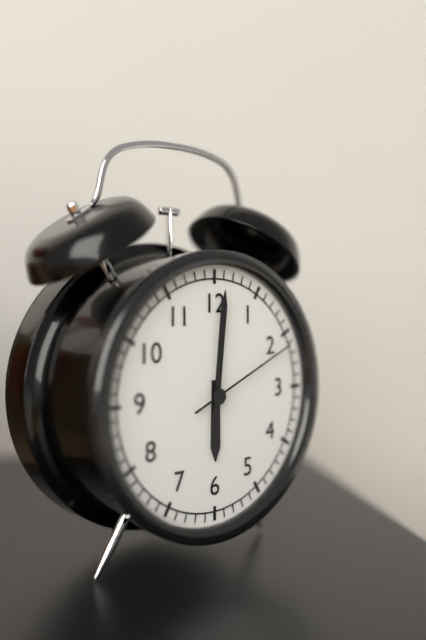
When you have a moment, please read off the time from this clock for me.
6:01:11
